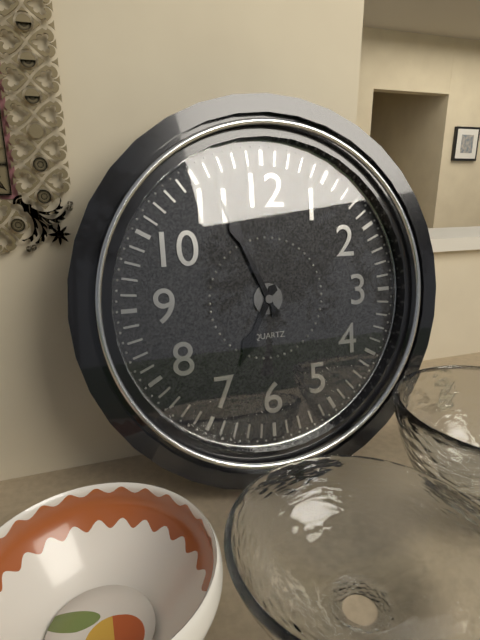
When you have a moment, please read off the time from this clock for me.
6:56
